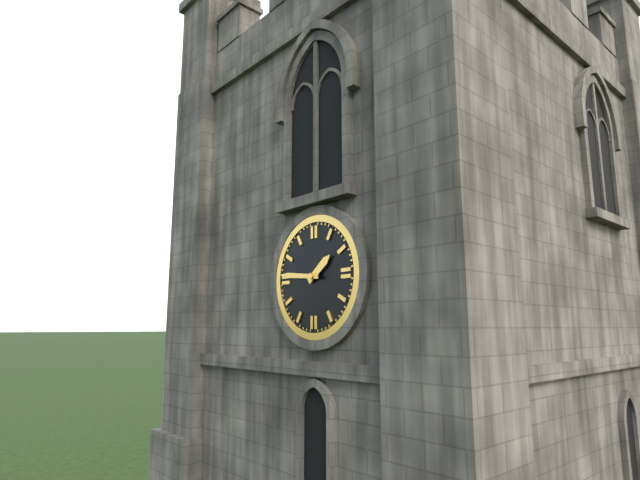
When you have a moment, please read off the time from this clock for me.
1:46
